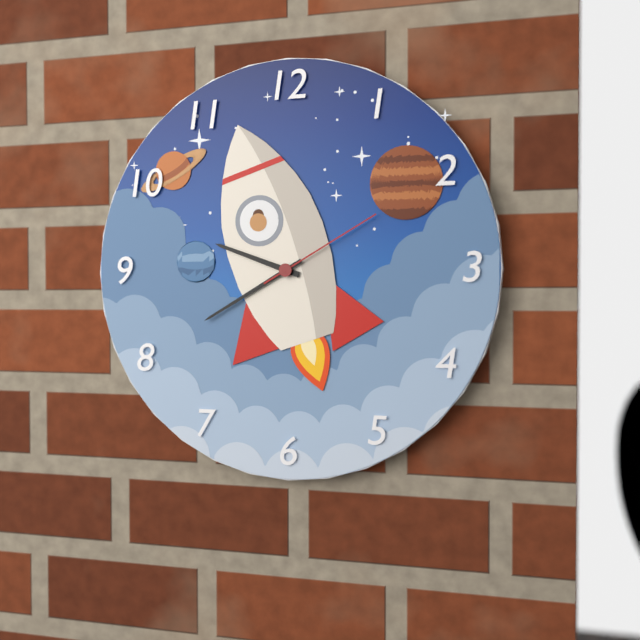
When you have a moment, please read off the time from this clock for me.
9:40:10
